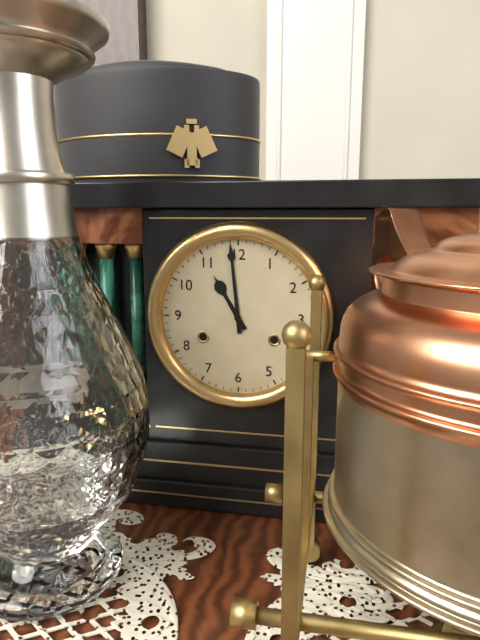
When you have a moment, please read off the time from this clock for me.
10:59
